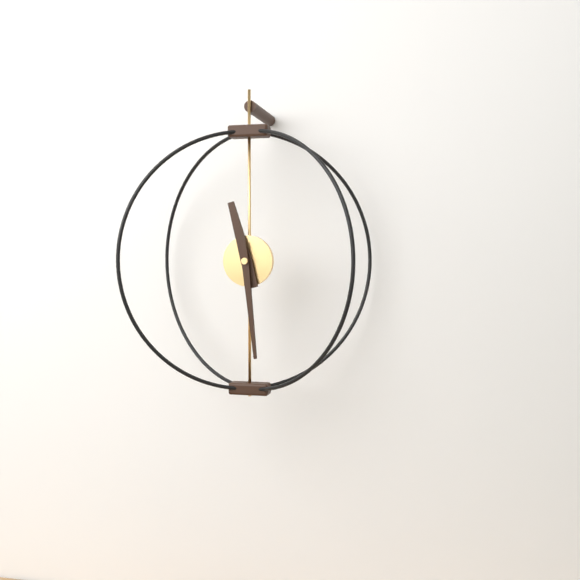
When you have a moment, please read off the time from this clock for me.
11:29
